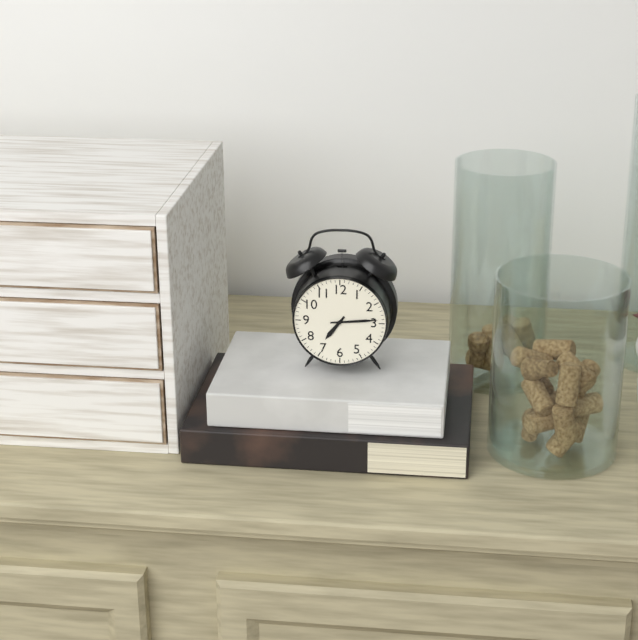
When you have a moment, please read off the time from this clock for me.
7:14
